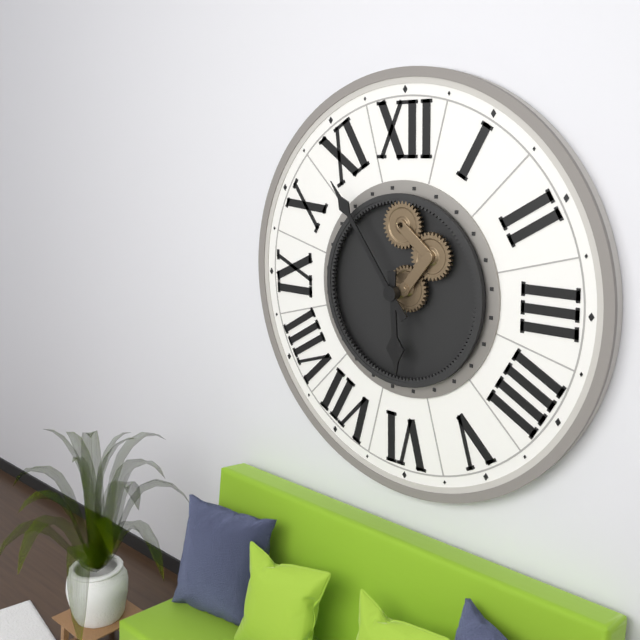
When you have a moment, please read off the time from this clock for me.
5:54
